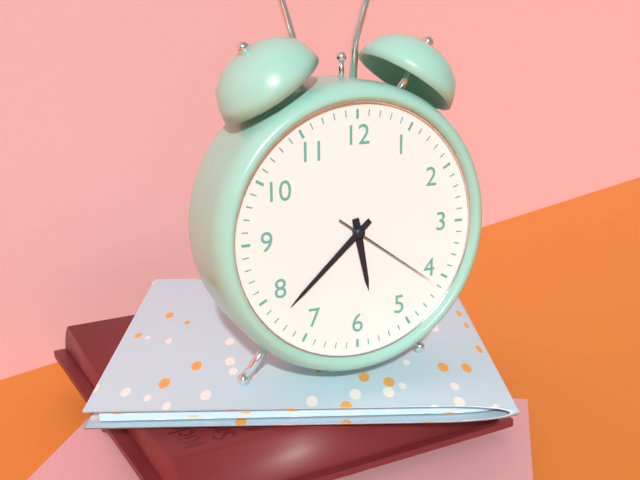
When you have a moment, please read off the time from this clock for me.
5:38:21
